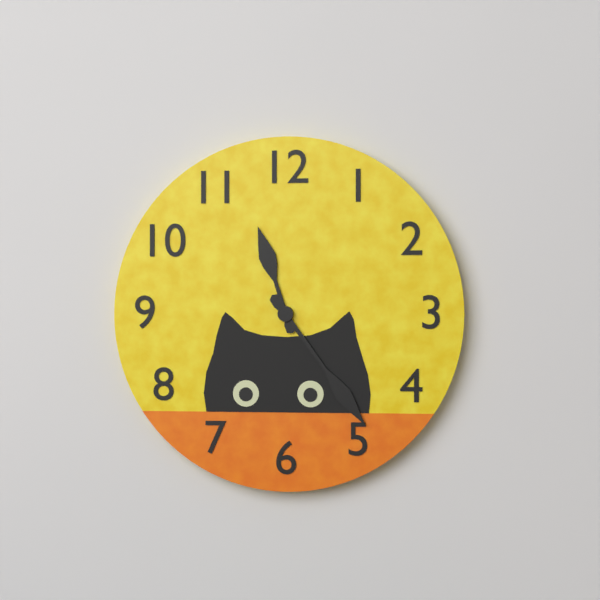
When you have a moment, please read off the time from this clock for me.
11:24
